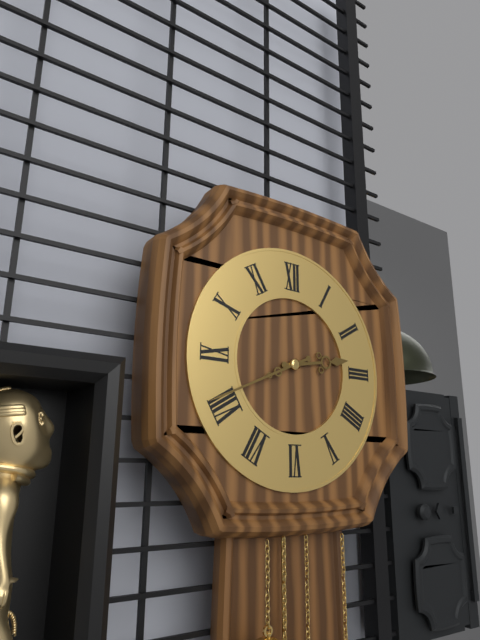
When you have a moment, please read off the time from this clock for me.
2:41
